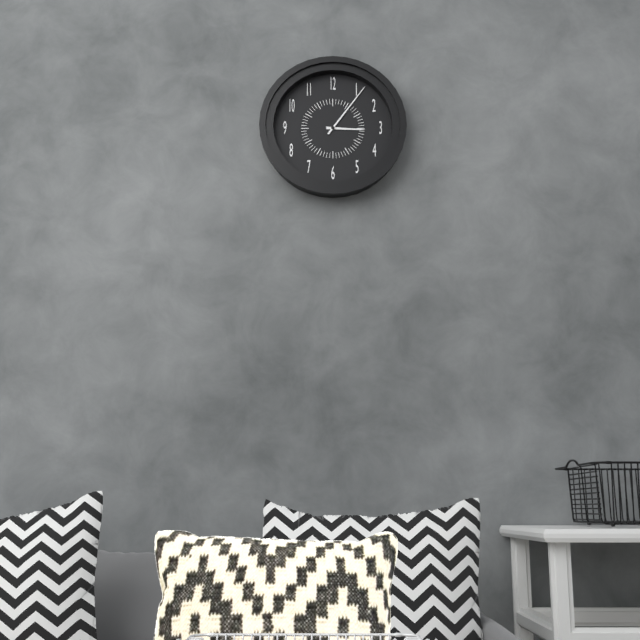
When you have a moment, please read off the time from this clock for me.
3:06
